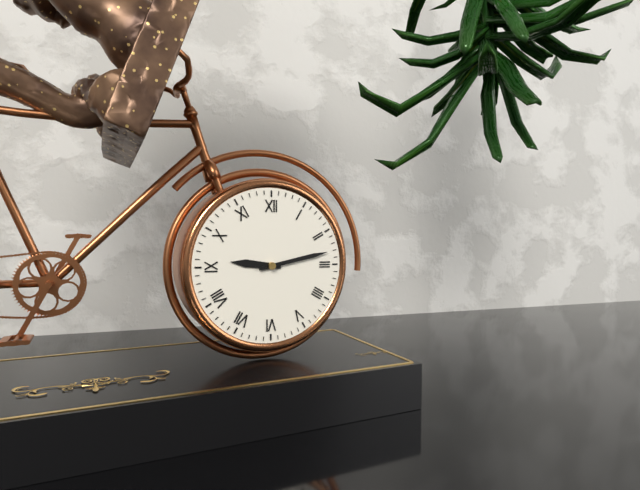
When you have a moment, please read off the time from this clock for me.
9:13
